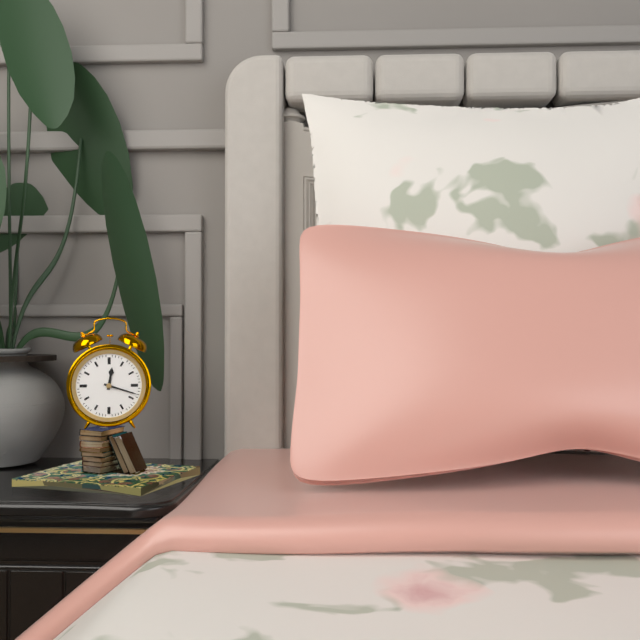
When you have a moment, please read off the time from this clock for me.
12:18
